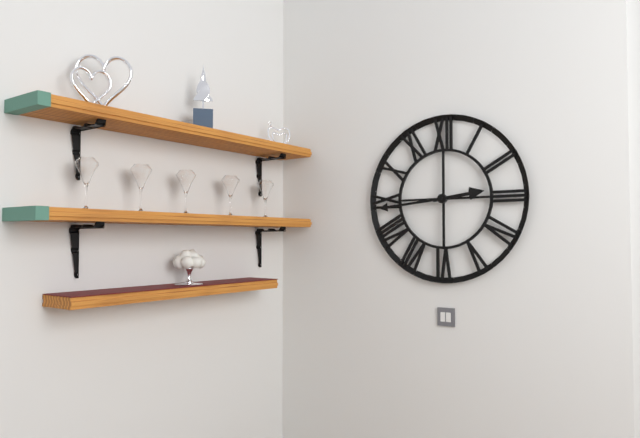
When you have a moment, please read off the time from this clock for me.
2:44
